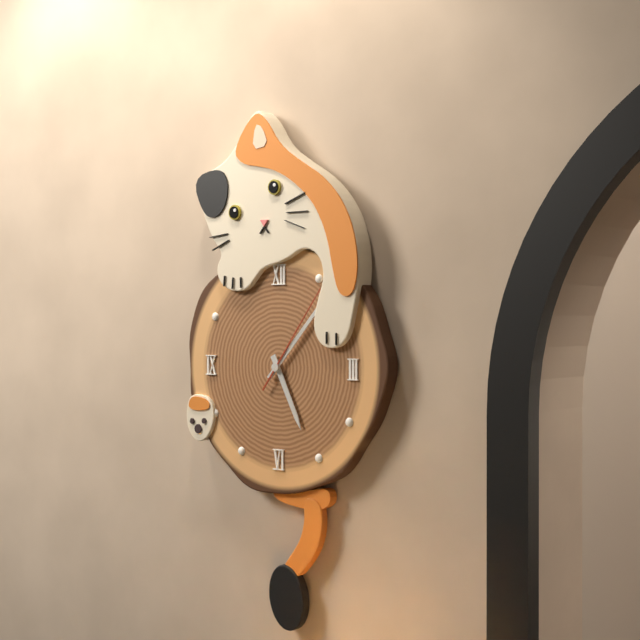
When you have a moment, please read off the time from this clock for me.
5:07:06
